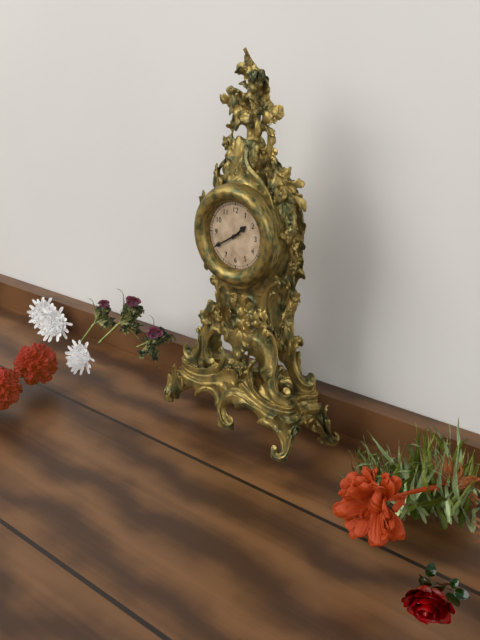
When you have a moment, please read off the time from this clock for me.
1:40
